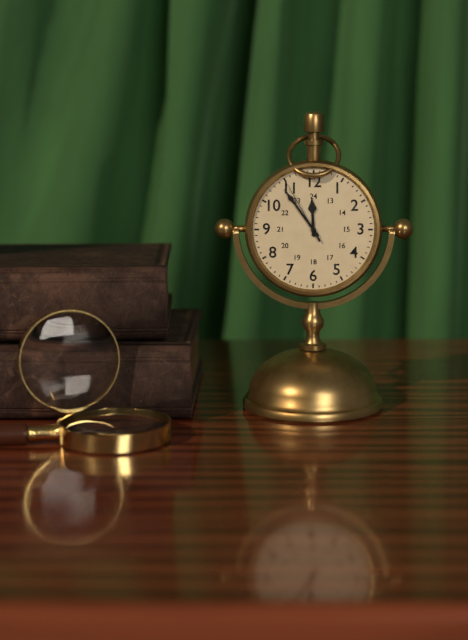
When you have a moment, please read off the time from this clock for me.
11:54:55
